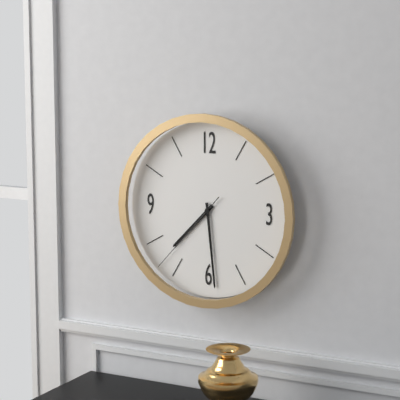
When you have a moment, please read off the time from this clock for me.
7:29:37
